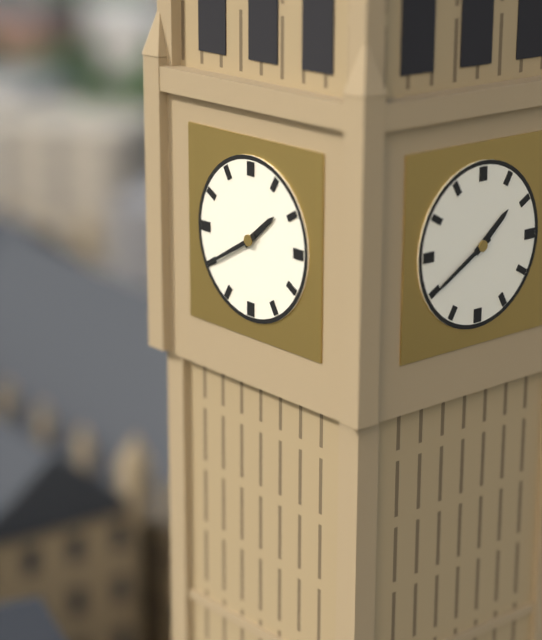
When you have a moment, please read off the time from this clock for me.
1:40
